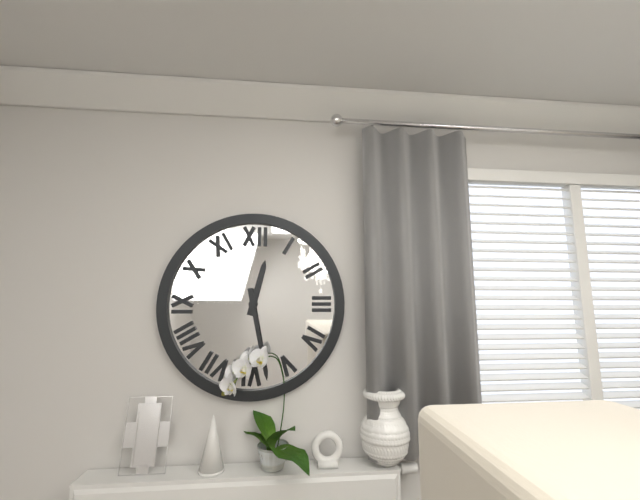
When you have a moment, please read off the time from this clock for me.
12:28
